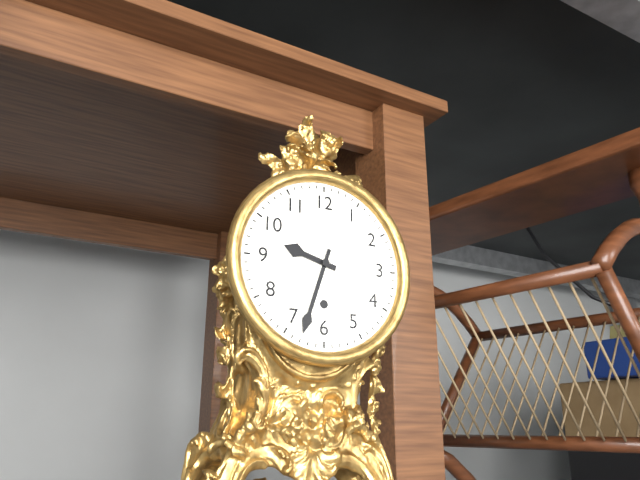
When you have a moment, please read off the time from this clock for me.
9:33
